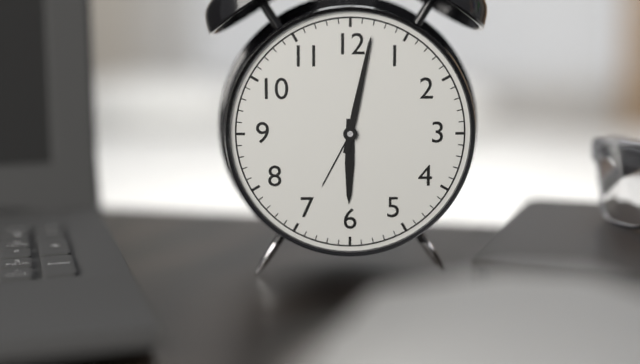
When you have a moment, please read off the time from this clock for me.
6:02
